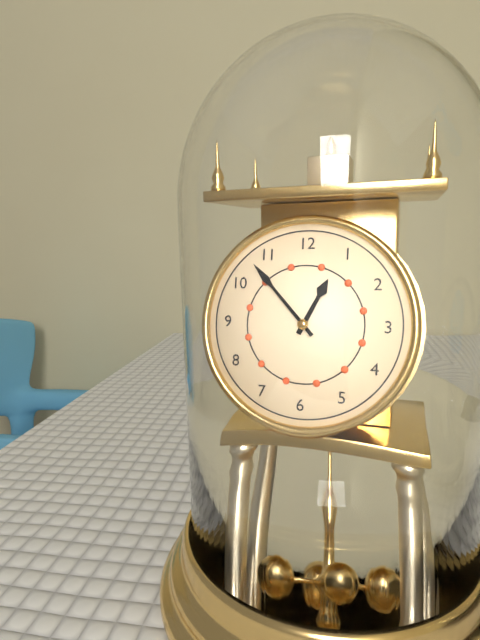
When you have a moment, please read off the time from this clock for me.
12:53
